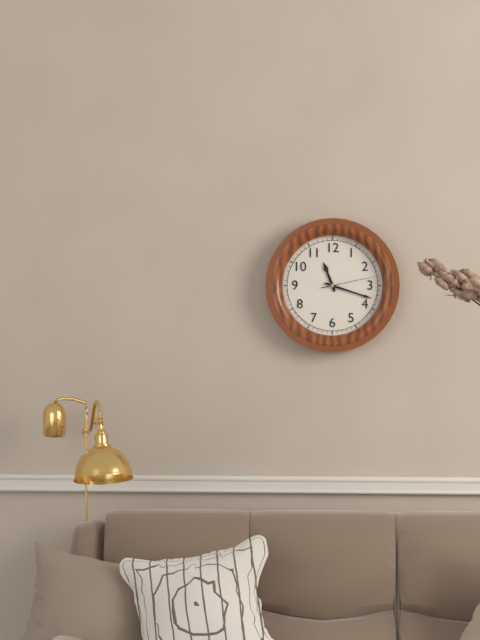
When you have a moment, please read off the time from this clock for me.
11:18:13
